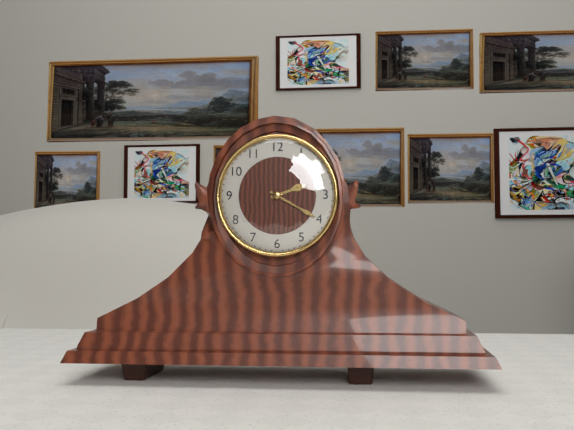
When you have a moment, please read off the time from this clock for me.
2:20
